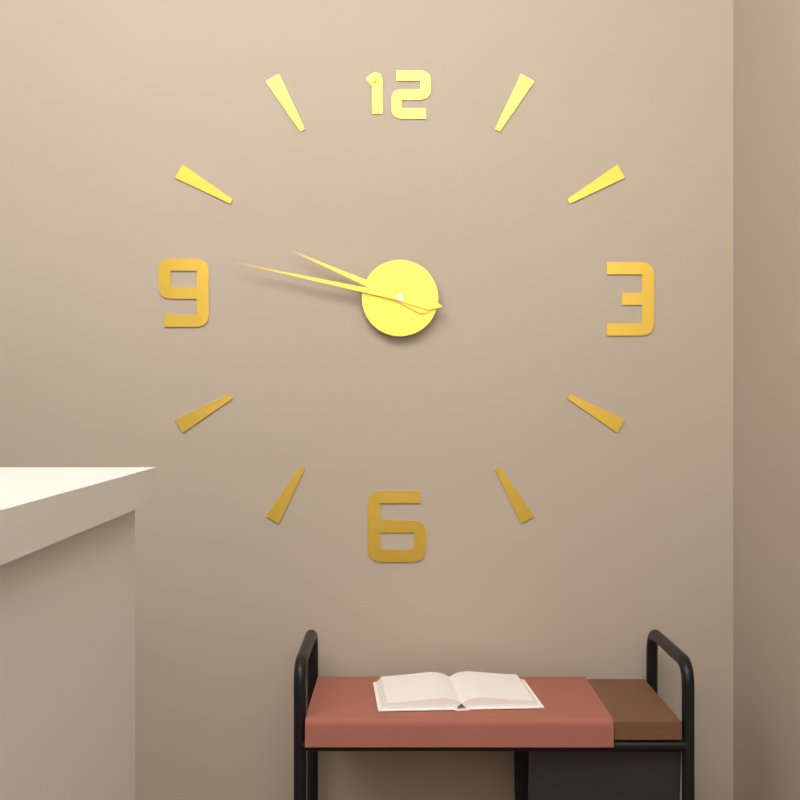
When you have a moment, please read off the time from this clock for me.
9:47
